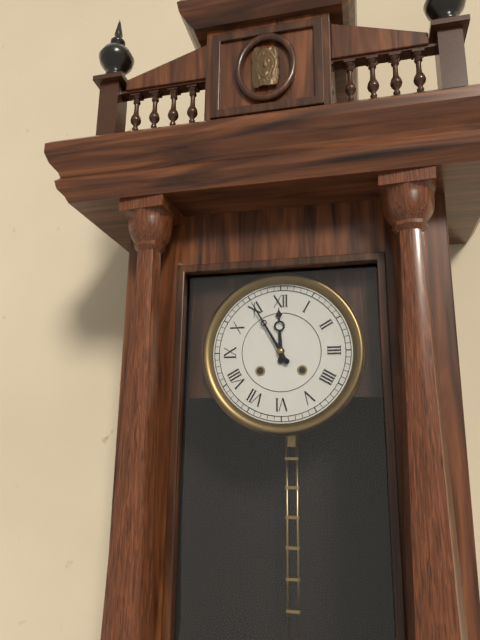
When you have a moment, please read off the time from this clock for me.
11:55
